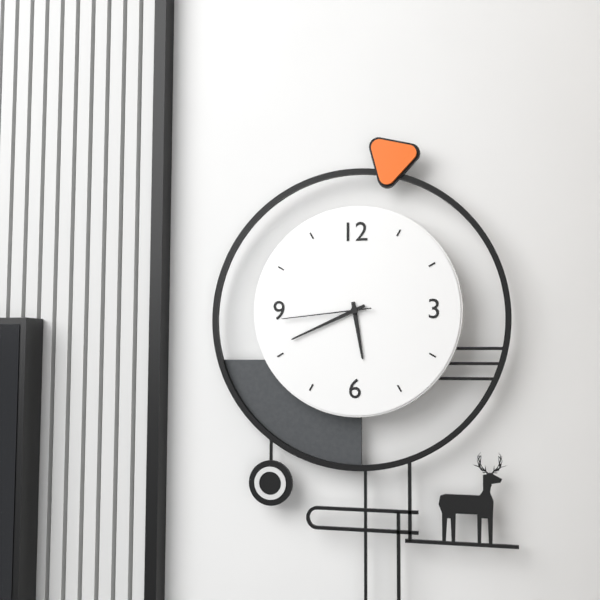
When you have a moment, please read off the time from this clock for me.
5:41:44
